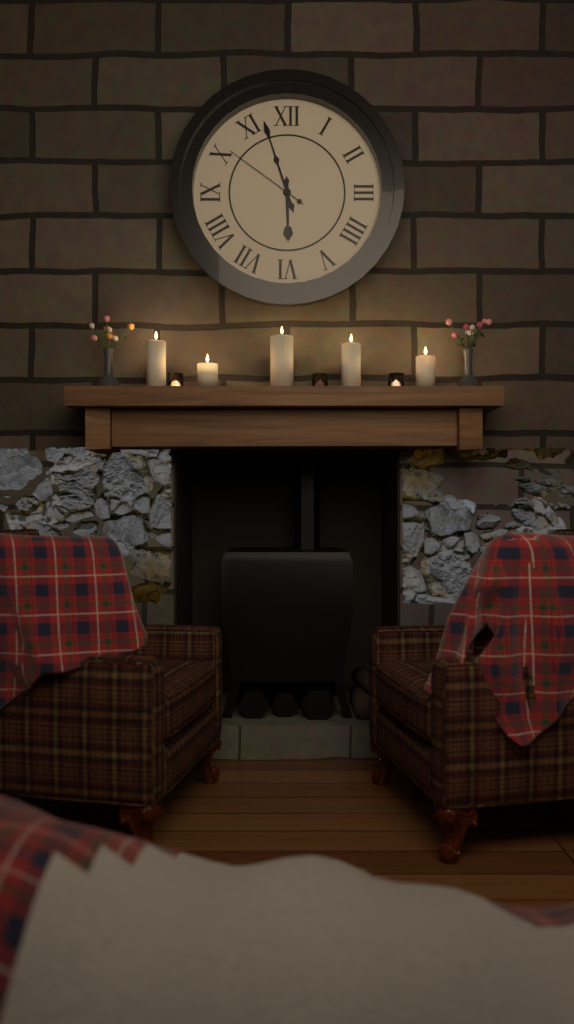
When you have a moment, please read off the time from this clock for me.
5:57:51
